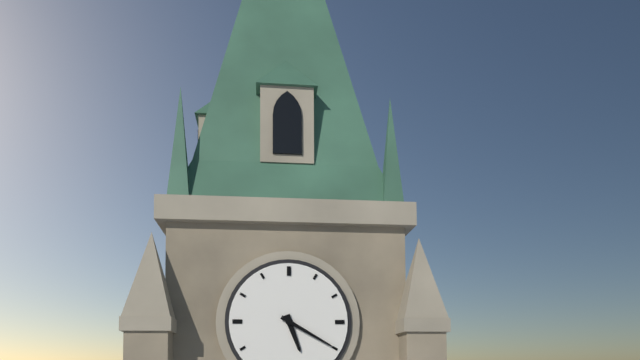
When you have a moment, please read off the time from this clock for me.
5:20
